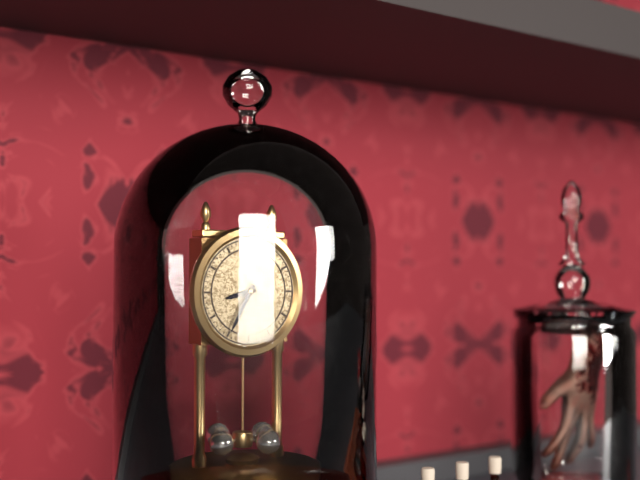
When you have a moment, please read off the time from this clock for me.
8:35
